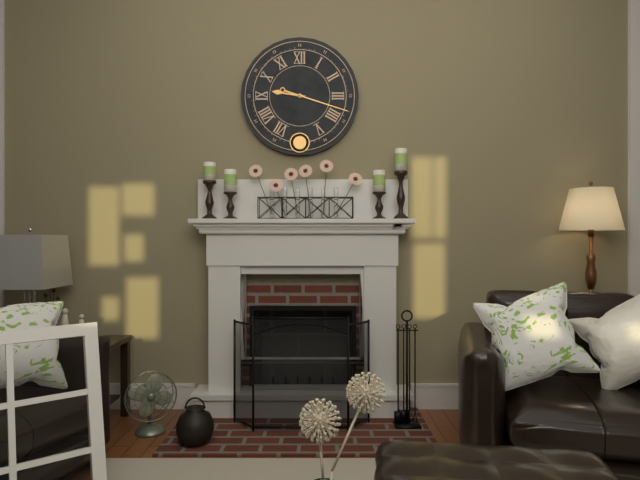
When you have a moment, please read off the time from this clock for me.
9:18
